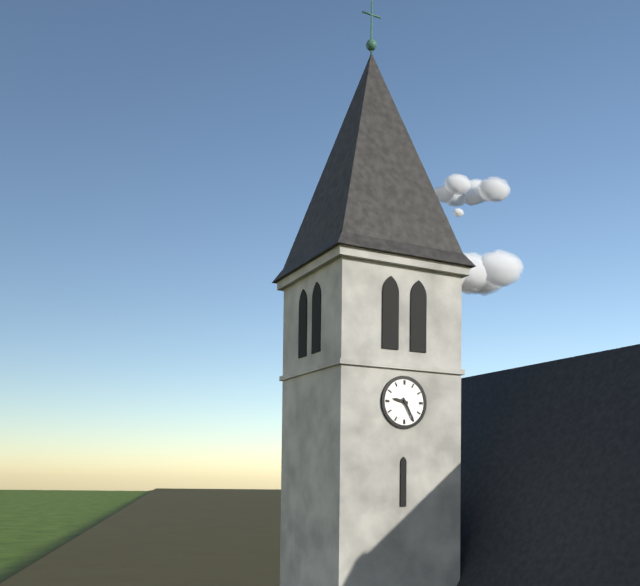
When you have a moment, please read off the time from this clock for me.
9:25
